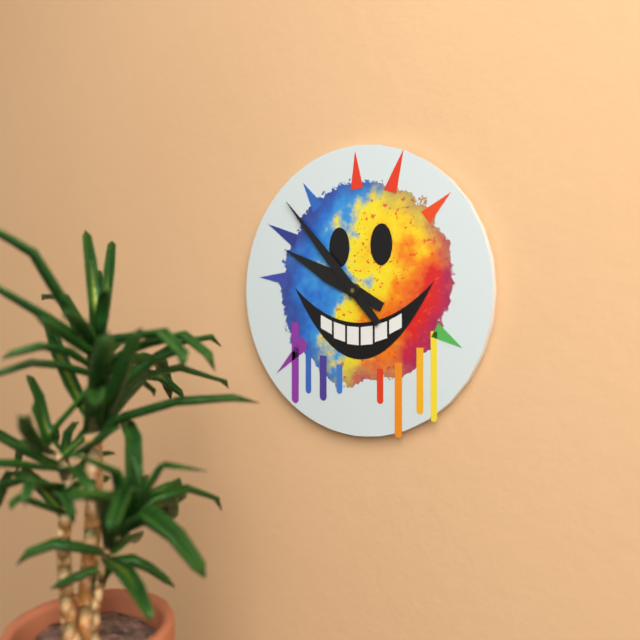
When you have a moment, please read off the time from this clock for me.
9:53
